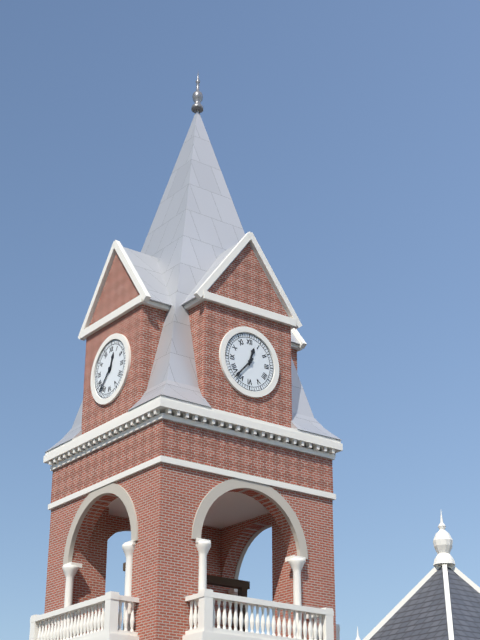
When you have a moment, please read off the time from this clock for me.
12:37
